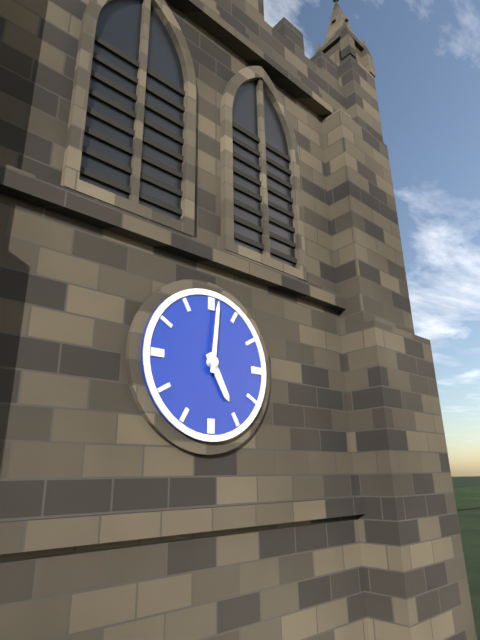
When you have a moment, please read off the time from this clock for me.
5:01
